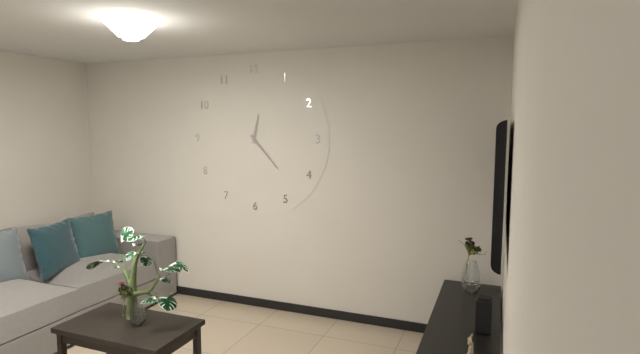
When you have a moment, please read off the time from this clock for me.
12:23
